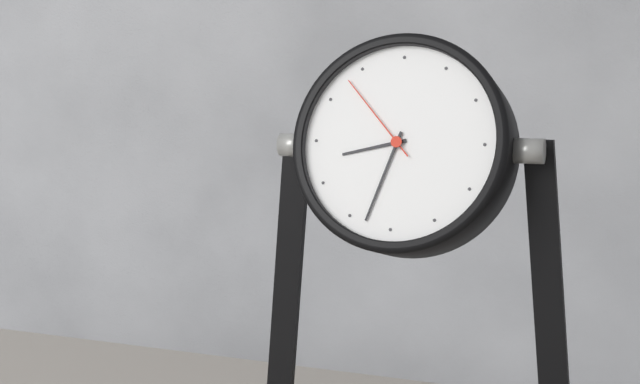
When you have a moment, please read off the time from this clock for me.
8:33:53
